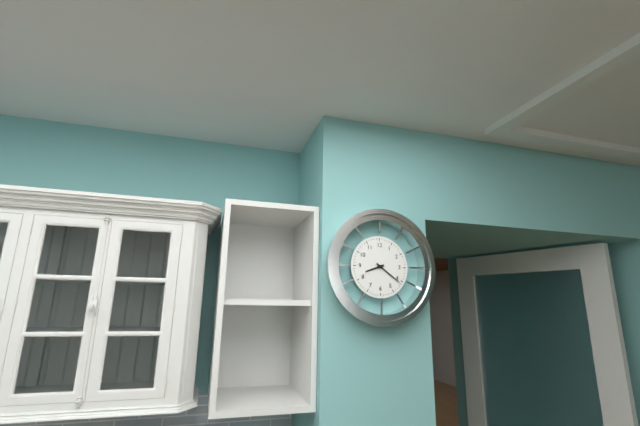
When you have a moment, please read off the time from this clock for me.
8:21
